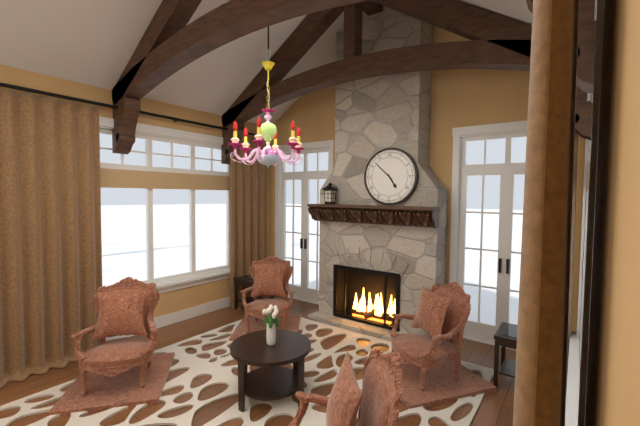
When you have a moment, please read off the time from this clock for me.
4:52
